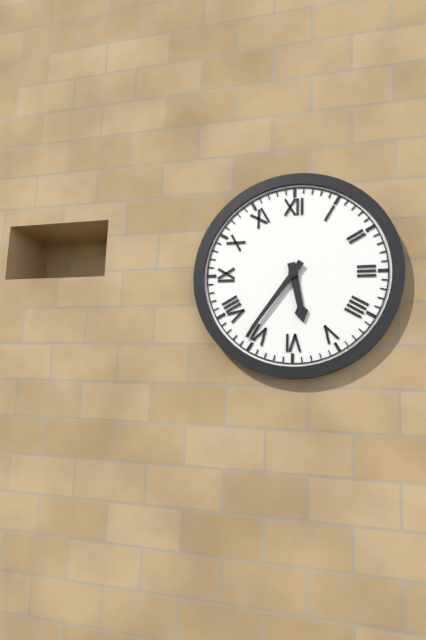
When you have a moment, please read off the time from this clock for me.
5:36
